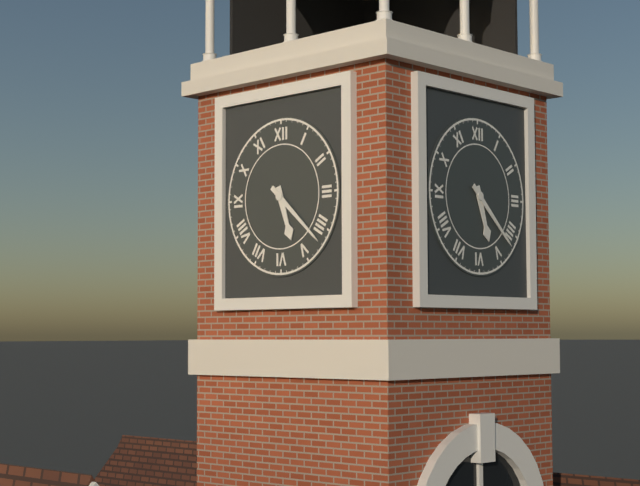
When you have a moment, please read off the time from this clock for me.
5:22
